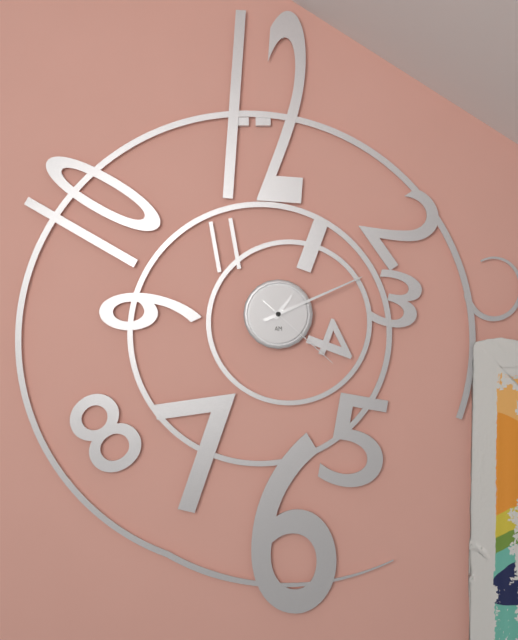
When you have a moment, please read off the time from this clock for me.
1:11:22
